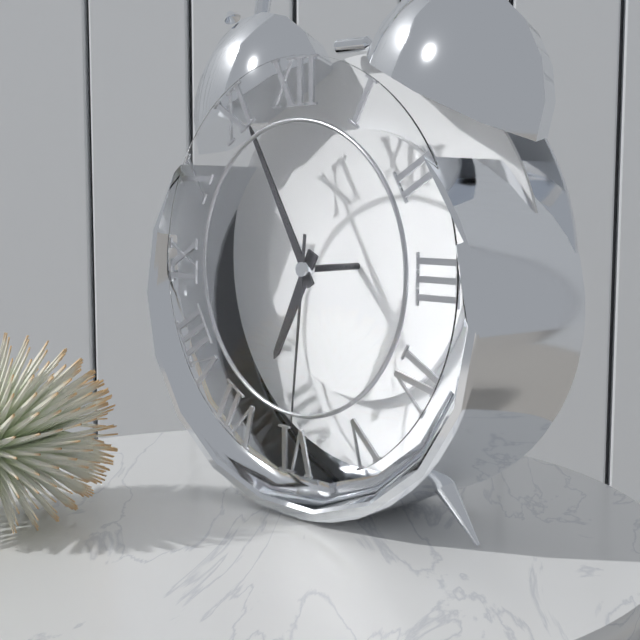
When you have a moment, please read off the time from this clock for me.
6:55:31
